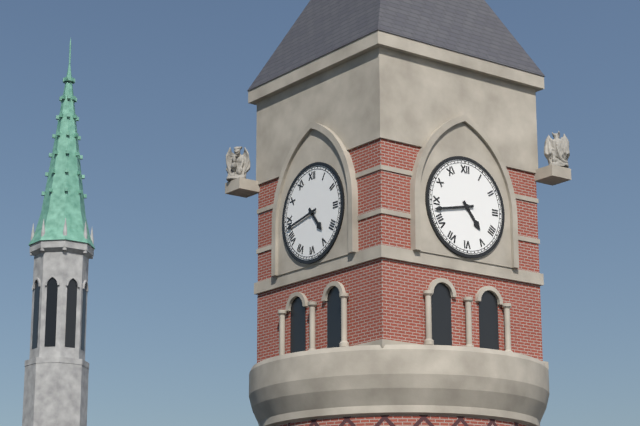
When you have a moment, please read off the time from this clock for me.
4:43
